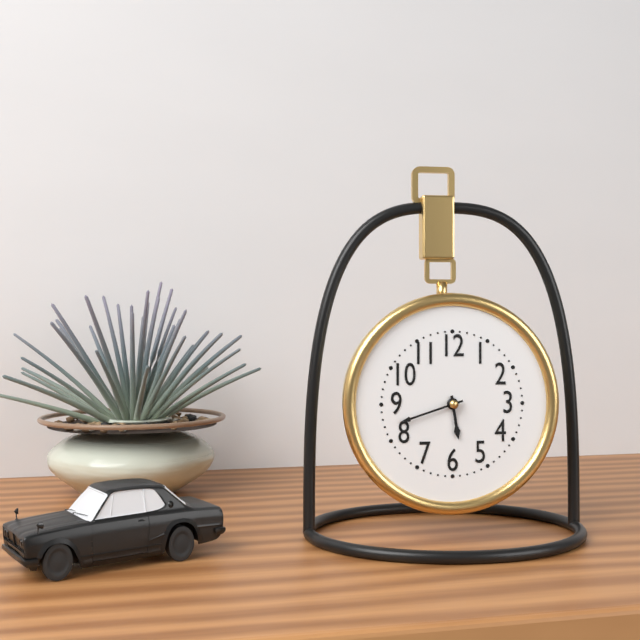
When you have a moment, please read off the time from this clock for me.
5:42
